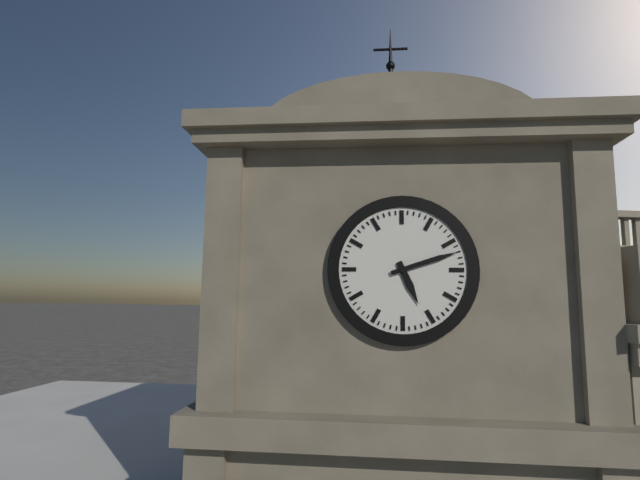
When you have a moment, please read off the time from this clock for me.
5:12
